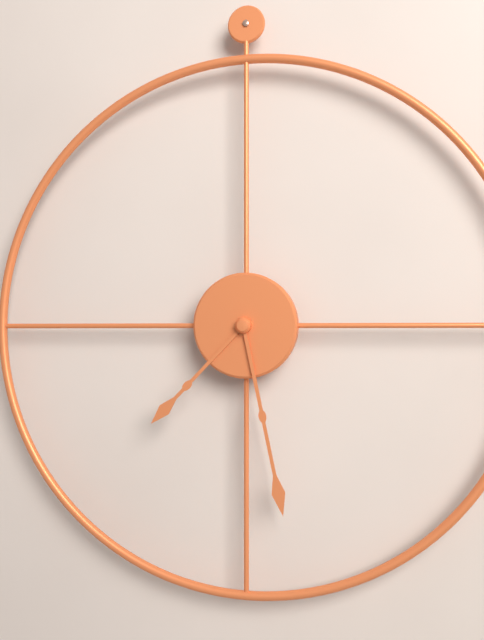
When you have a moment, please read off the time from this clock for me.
7:28
